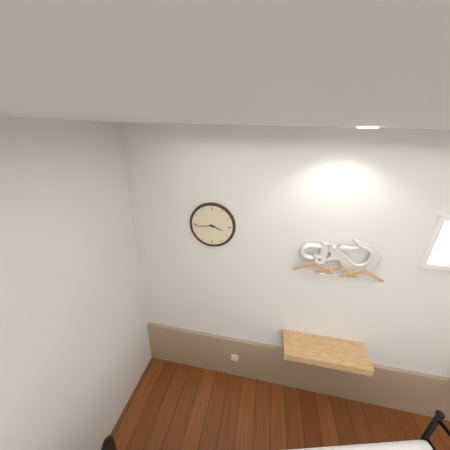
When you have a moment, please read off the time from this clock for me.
3:44
